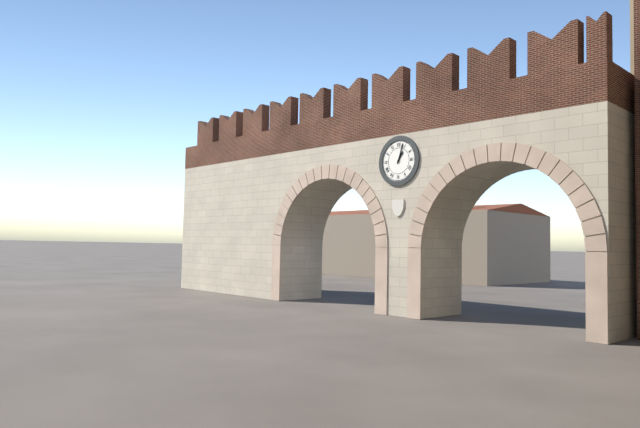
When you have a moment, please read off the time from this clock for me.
1:03
